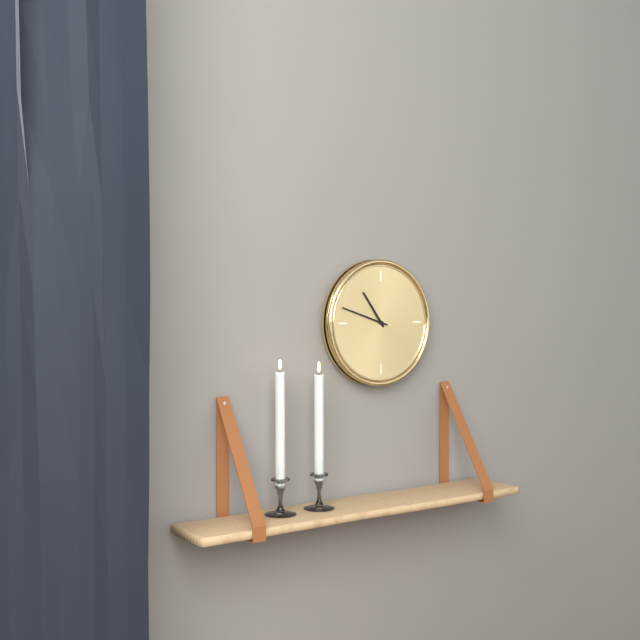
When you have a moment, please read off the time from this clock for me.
10:48
